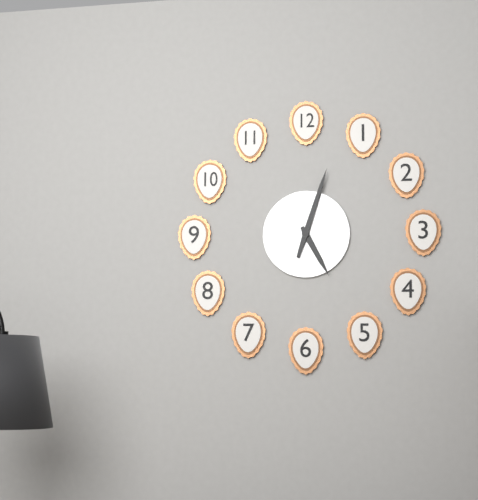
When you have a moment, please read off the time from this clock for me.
5:03
